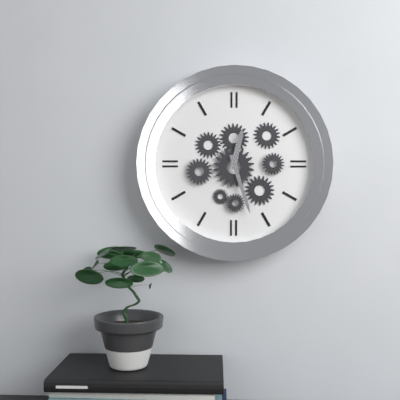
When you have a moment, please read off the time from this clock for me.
12:27
